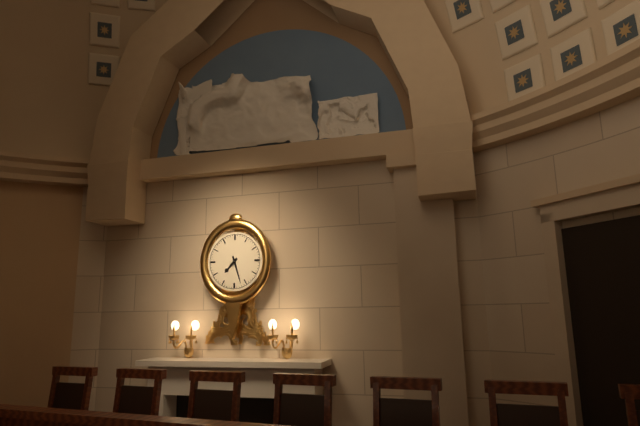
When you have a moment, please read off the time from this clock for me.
7:27
